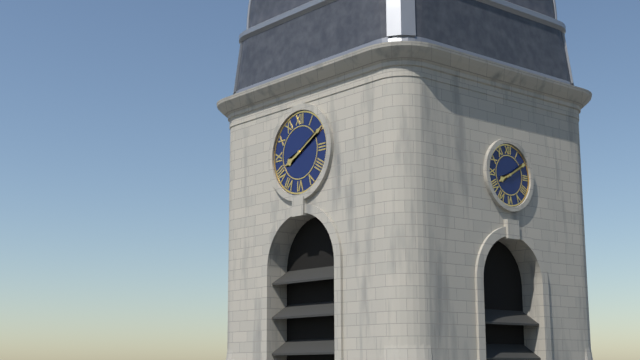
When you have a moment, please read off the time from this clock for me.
8:10
